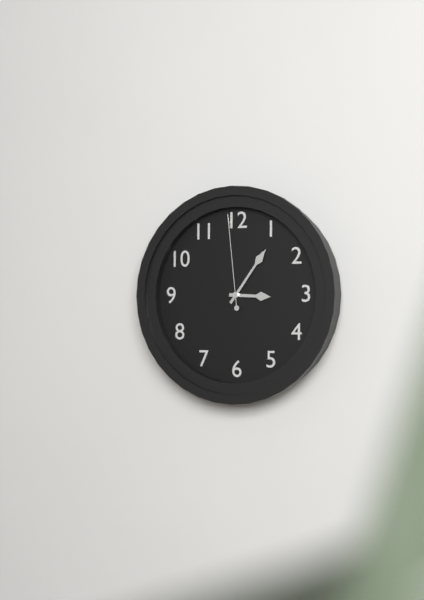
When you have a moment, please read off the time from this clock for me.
3:06:59
